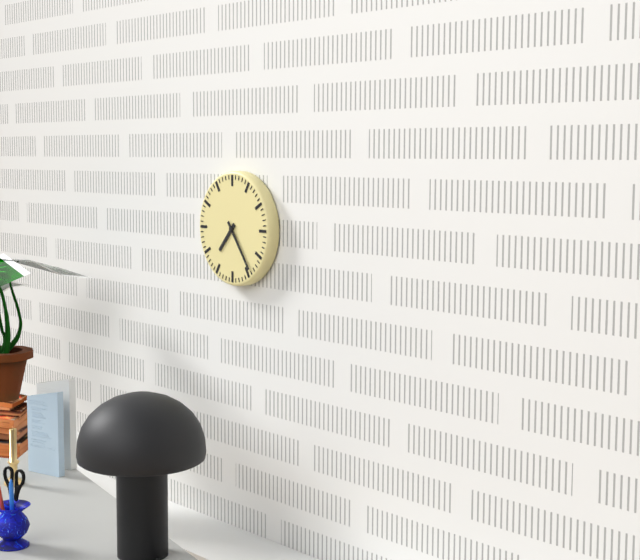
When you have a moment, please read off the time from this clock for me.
7:24
